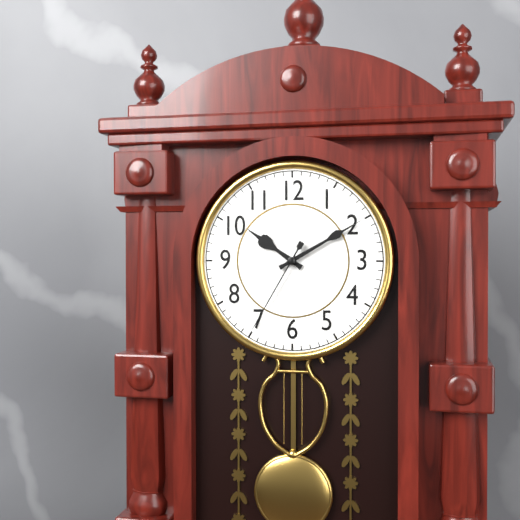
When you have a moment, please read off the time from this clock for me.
10:10:35
